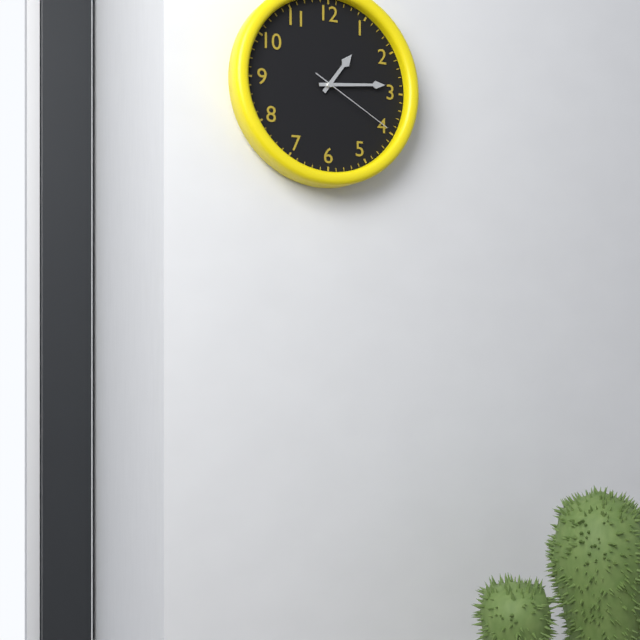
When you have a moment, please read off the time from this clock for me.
1:14:20
